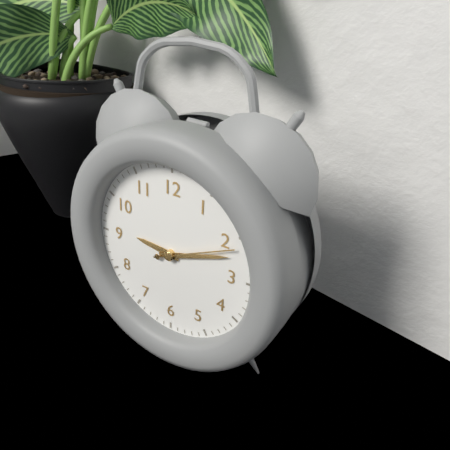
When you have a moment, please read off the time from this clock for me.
9:12:11
